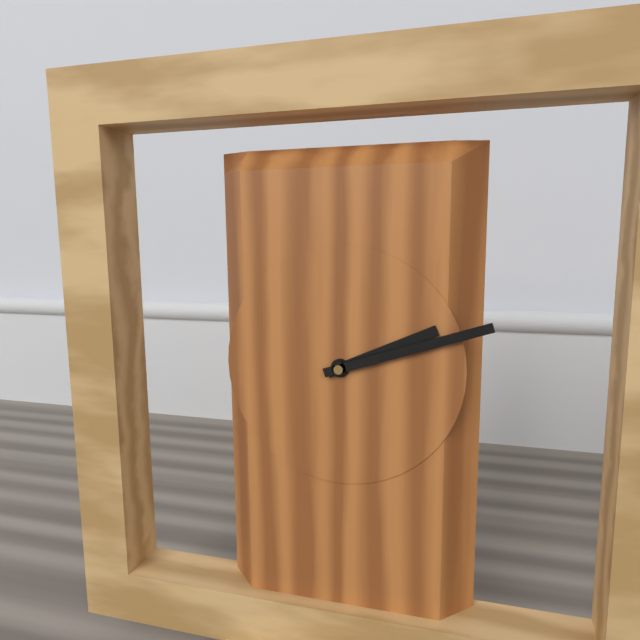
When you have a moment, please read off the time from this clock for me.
2:12
